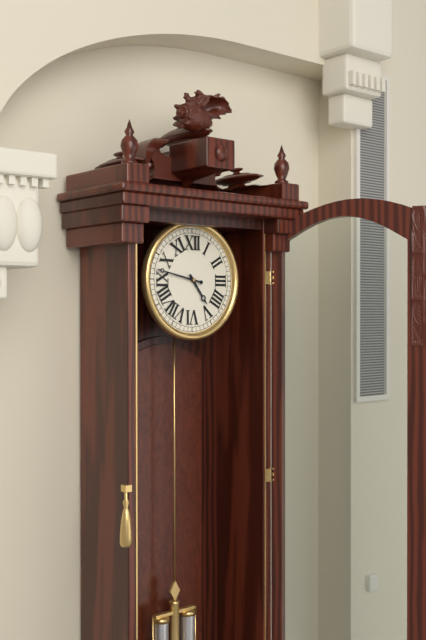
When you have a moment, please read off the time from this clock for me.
4:47
